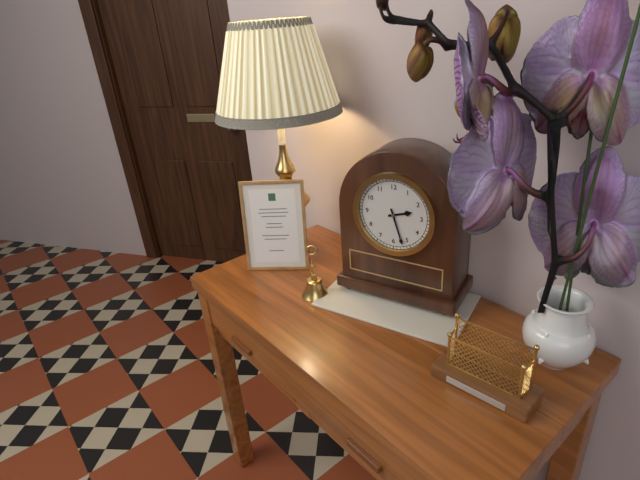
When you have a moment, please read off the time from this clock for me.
2:27
